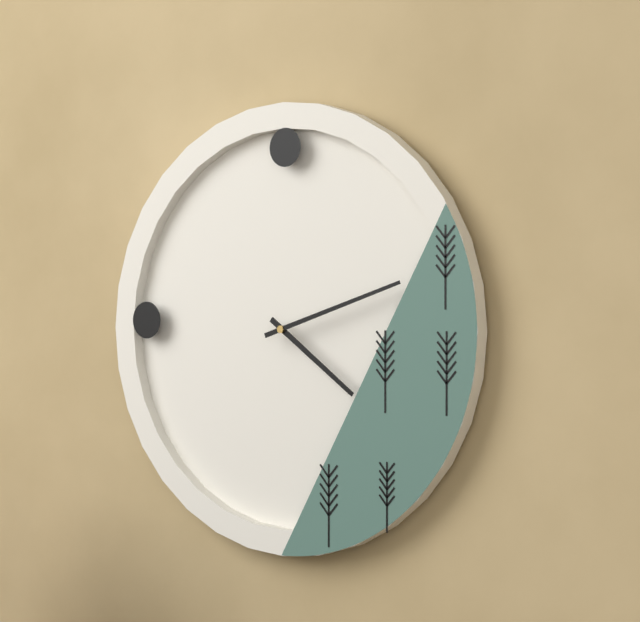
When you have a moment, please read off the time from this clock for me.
4:12
